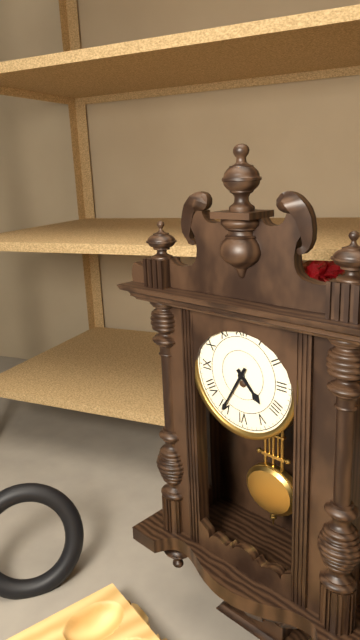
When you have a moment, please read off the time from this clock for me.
4:35
